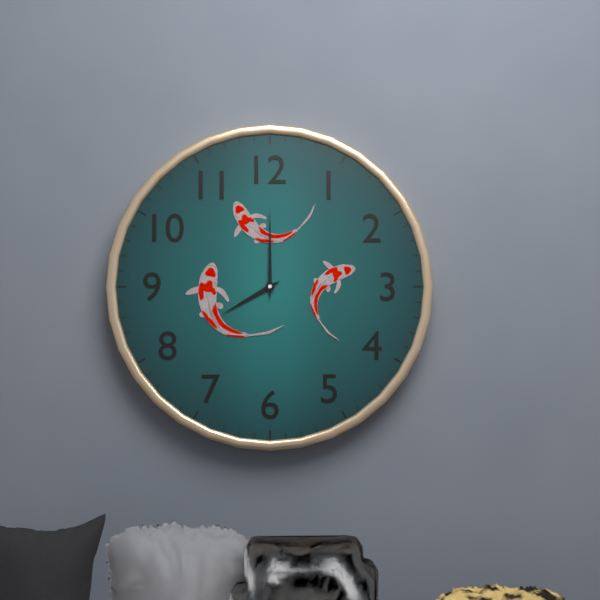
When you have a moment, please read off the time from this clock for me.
8:00
